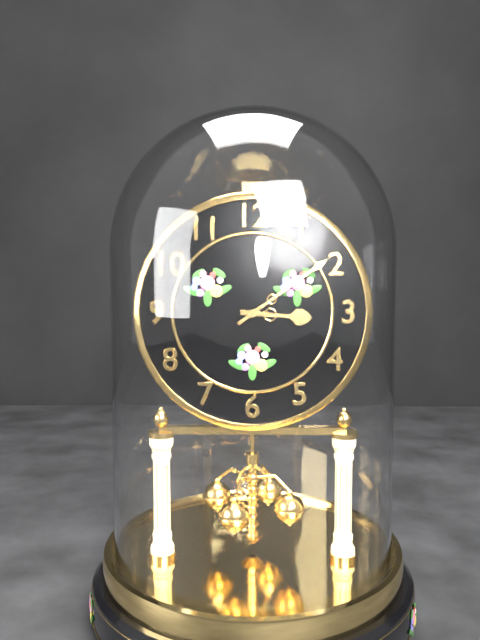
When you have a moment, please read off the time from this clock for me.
3:09
